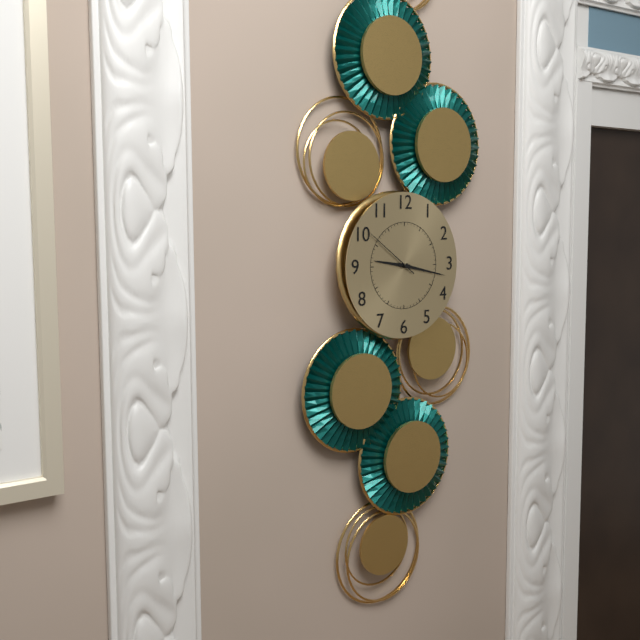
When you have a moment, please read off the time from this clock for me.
9:17:51
